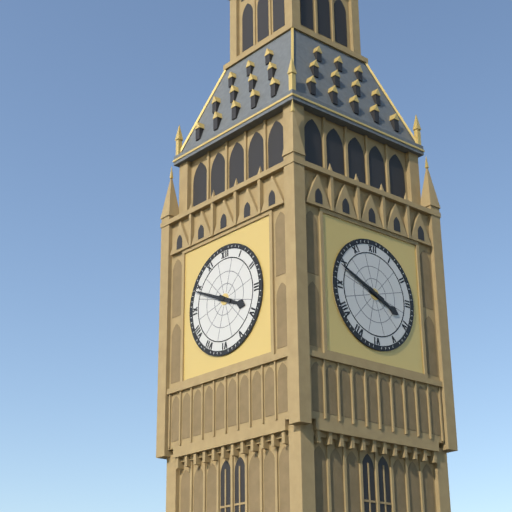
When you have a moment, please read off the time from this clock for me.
3:49
